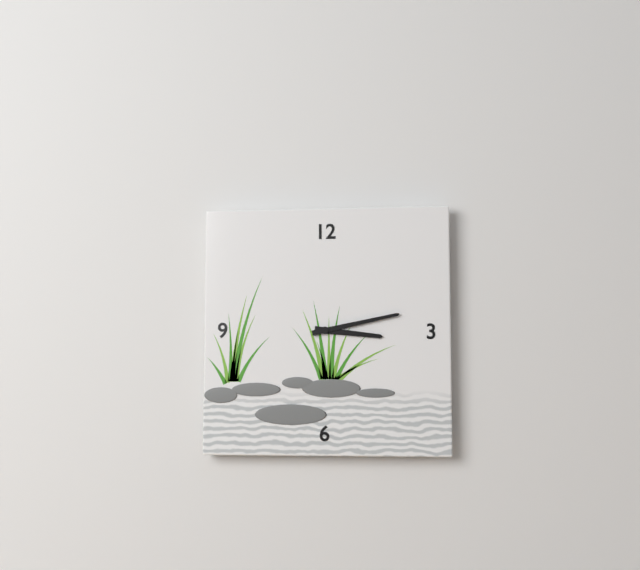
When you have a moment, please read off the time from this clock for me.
3:13
